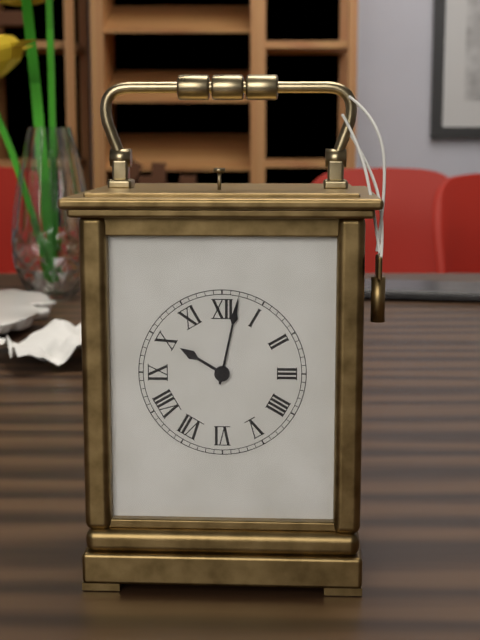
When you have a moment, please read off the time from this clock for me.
10:02
